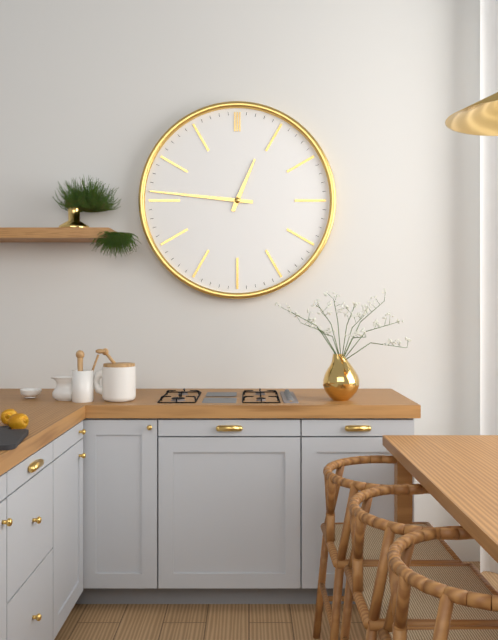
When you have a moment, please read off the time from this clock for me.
12:46
